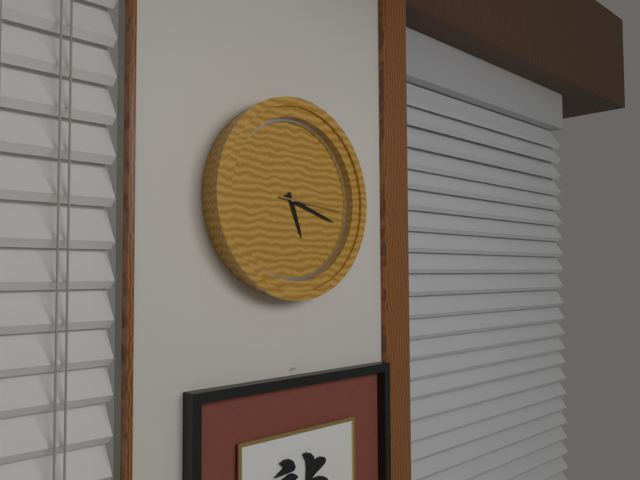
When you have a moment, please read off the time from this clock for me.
5:18:16
